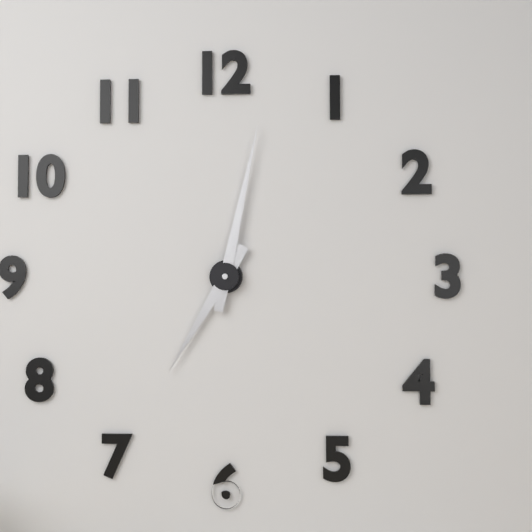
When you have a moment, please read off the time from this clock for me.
7:02
